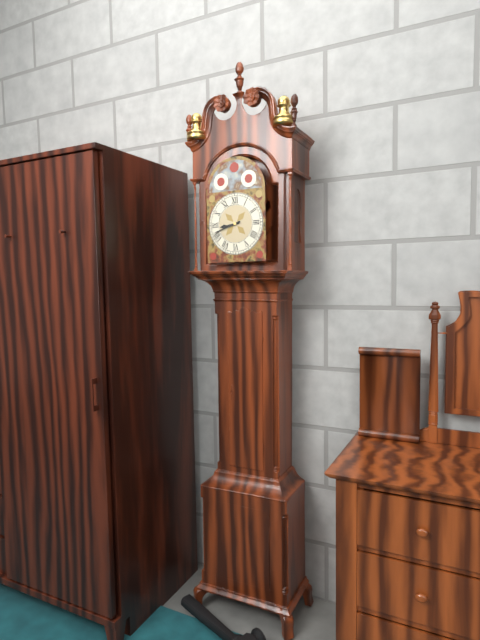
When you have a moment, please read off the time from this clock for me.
8:42
